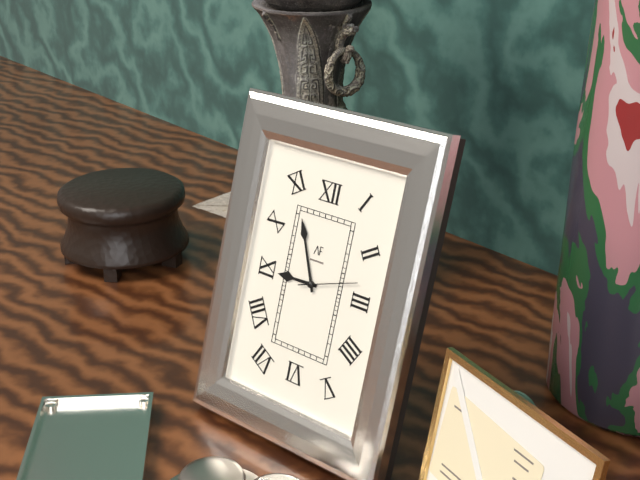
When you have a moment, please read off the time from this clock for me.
8:56:12
